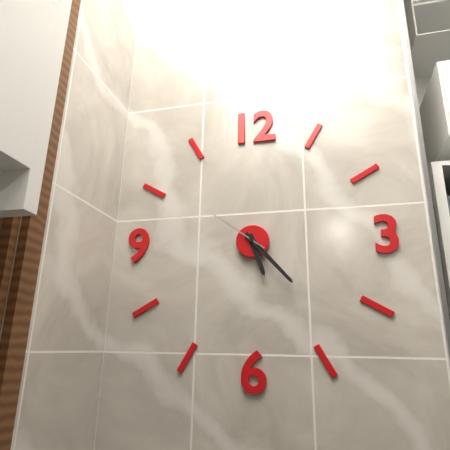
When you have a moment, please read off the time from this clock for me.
5:23:51
